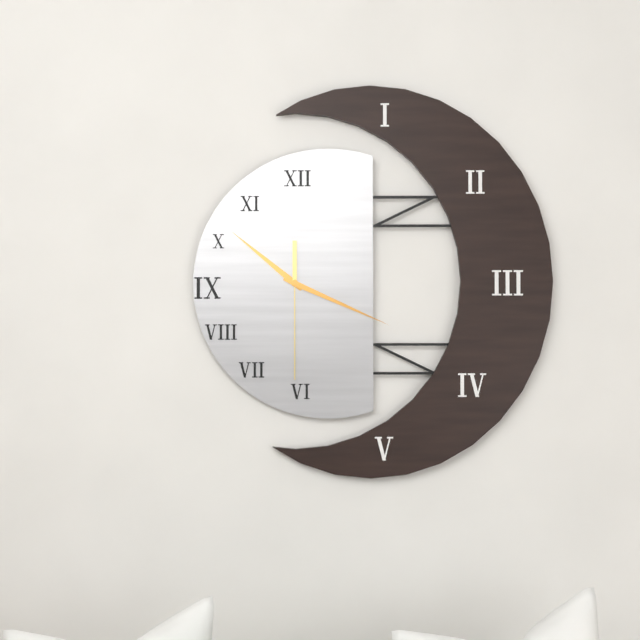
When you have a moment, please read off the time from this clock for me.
10:19:30
